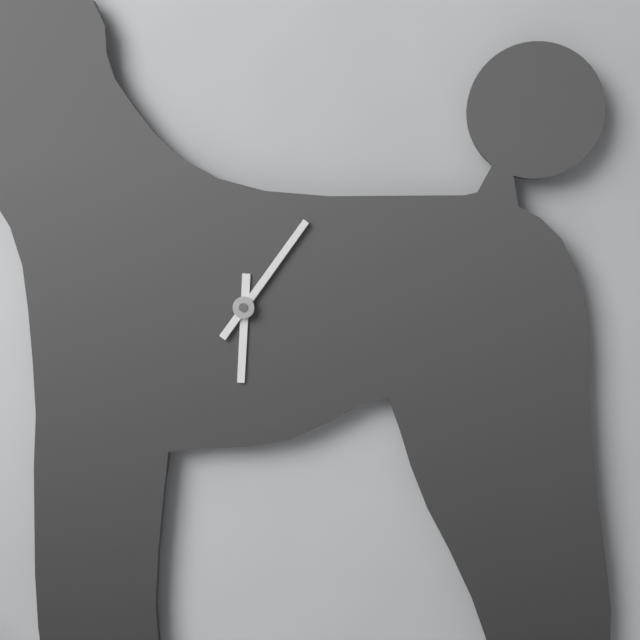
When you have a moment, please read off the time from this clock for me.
6:06
